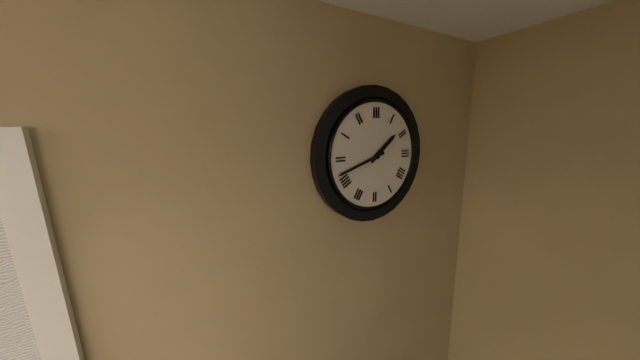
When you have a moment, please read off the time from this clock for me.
1:42
